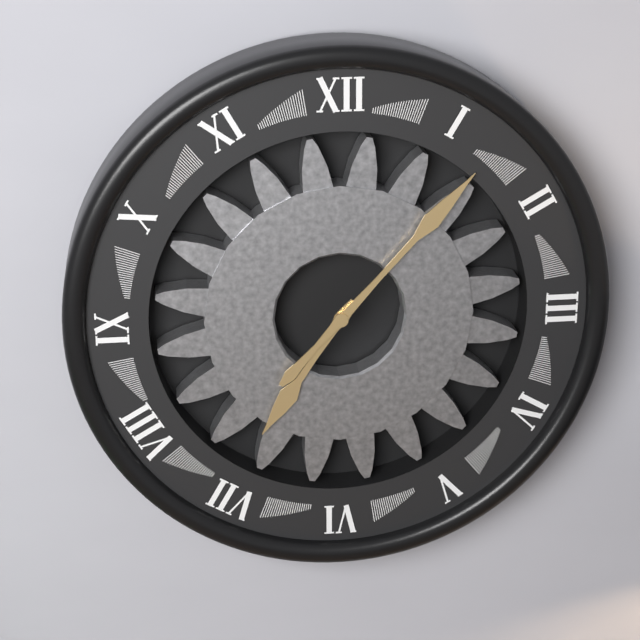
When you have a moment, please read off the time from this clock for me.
7:07
